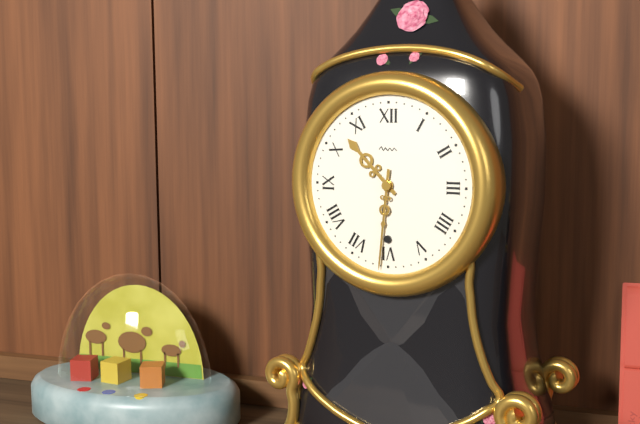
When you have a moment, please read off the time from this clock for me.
10:31
